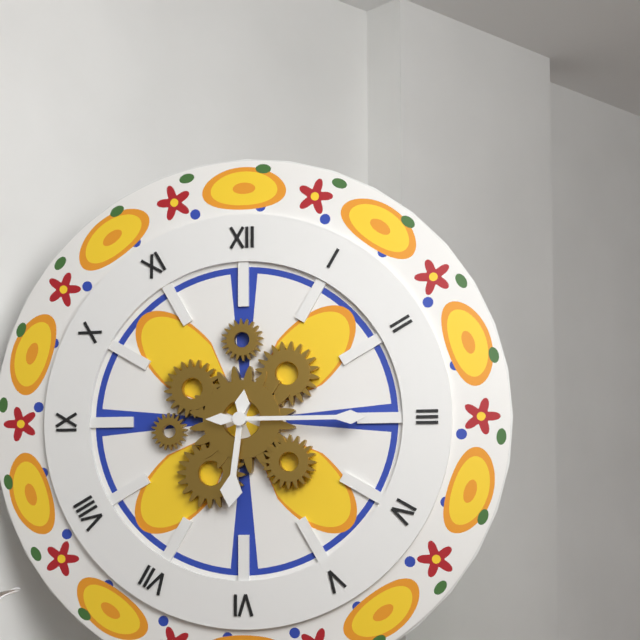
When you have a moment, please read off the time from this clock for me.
6:15
